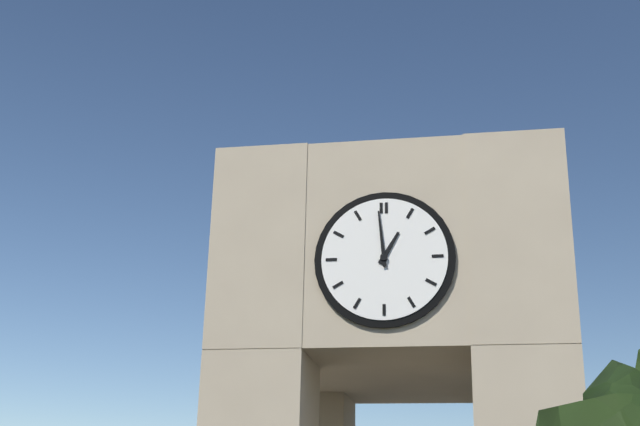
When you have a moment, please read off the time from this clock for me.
12:59
